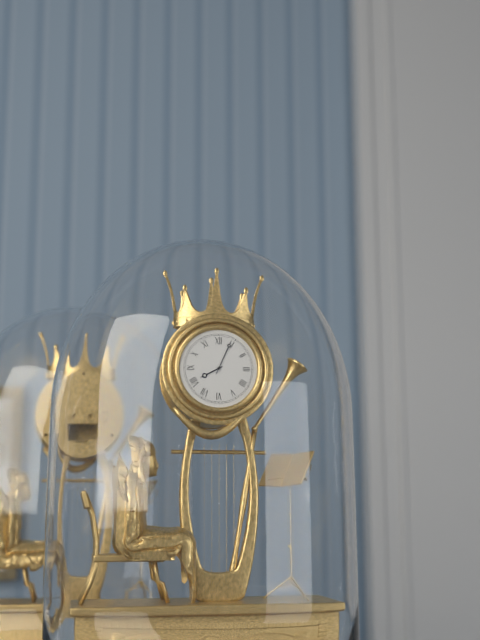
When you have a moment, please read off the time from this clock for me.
8:04
